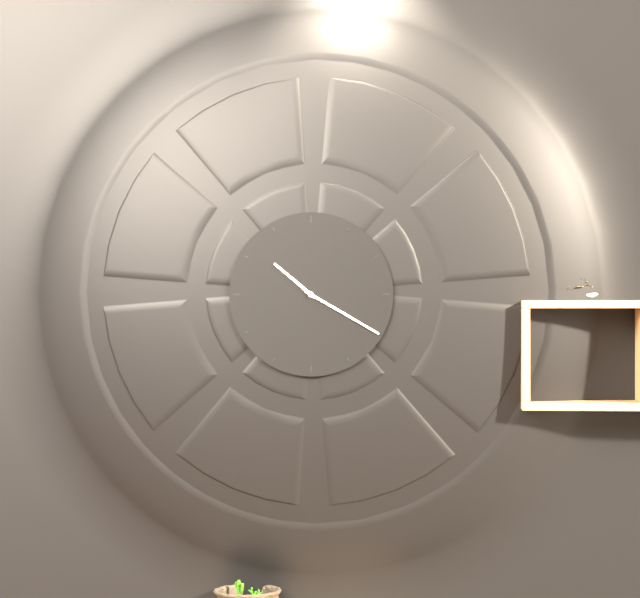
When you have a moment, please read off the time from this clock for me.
10:20
